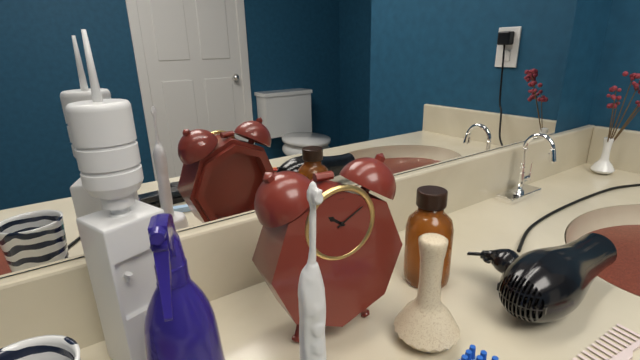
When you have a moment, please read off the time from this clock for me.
10:10
